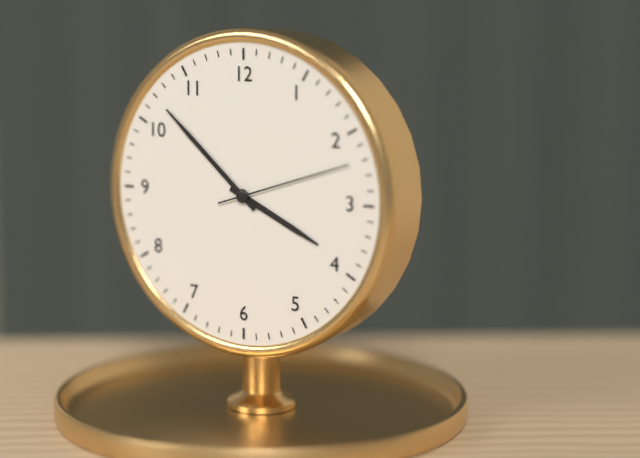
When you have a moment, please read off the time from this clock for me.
3:52:12
